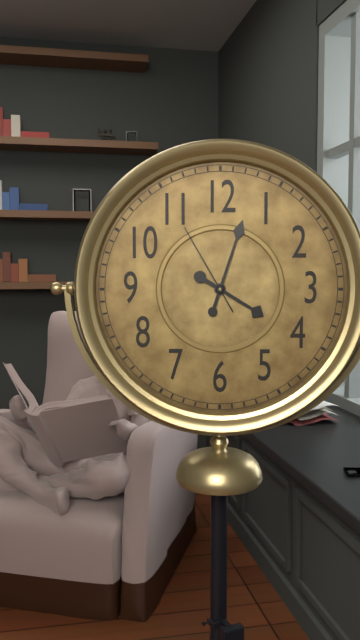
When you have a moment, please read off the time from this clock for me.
4:03:55
